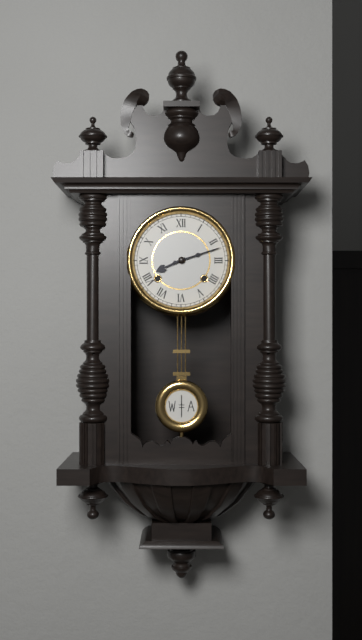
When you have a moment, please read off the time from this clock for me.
8:12
